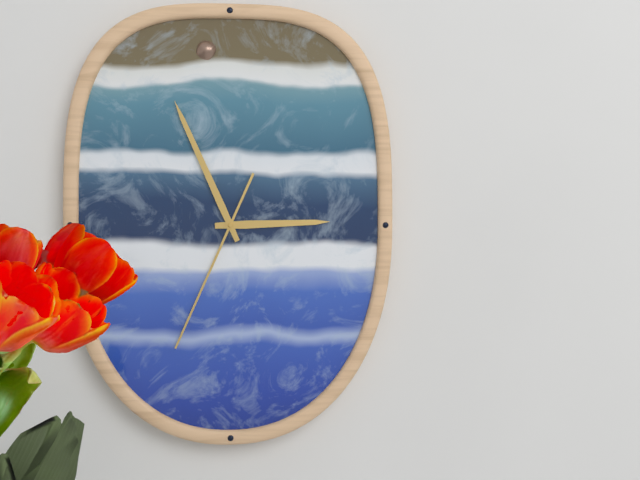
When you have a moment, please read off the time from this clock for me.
2:56:34
